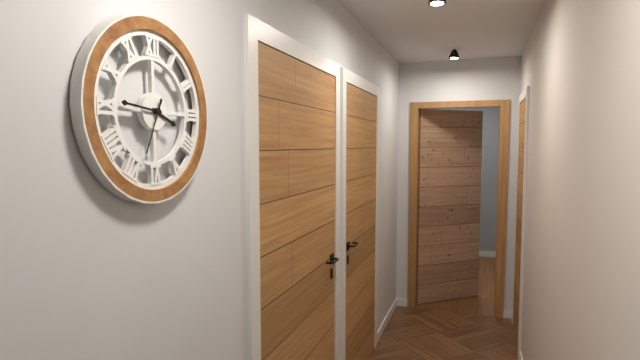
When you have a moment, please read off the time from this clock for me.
3:46:34
